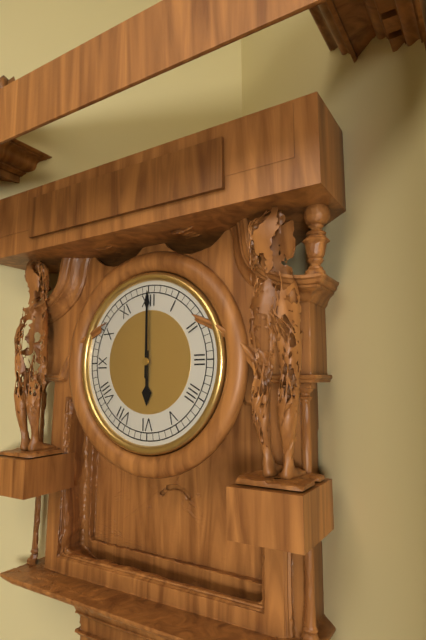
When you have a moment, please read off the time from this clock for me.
6:00
